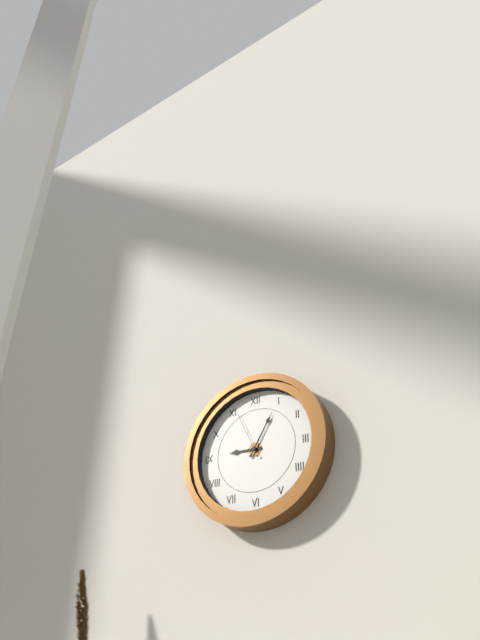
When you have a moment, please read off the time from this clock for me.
9:05
